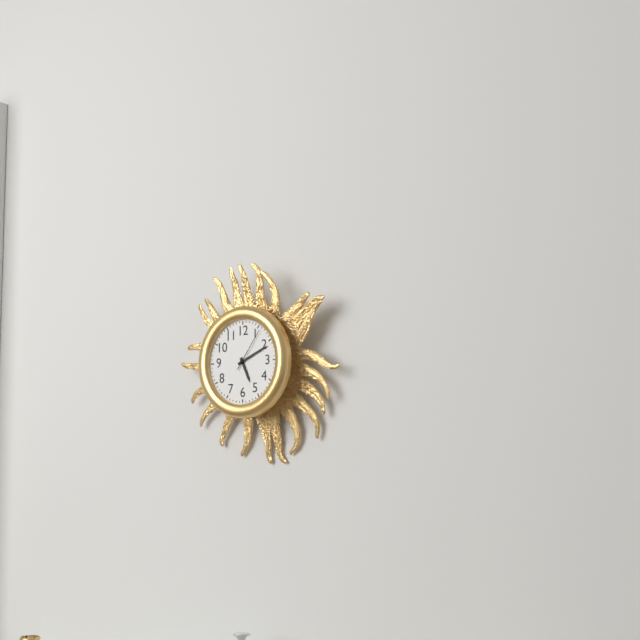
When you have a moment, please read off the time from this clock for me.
5:11
